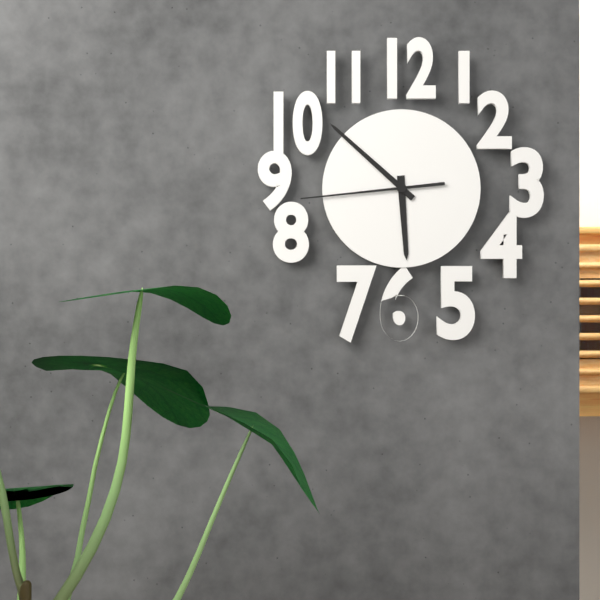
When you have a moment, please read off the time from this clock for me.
5:52:44
